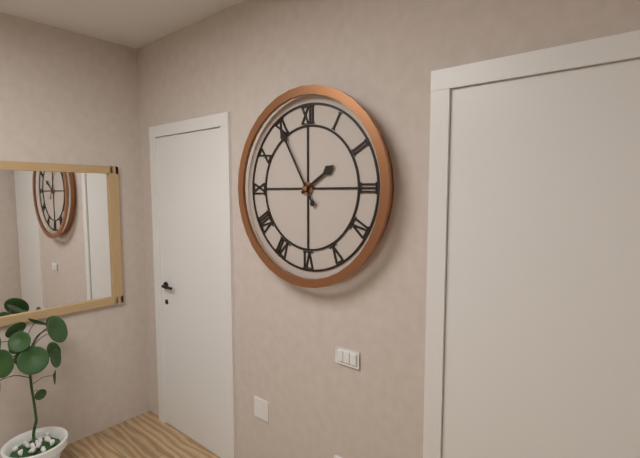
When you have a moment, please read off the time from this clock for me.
1:55
